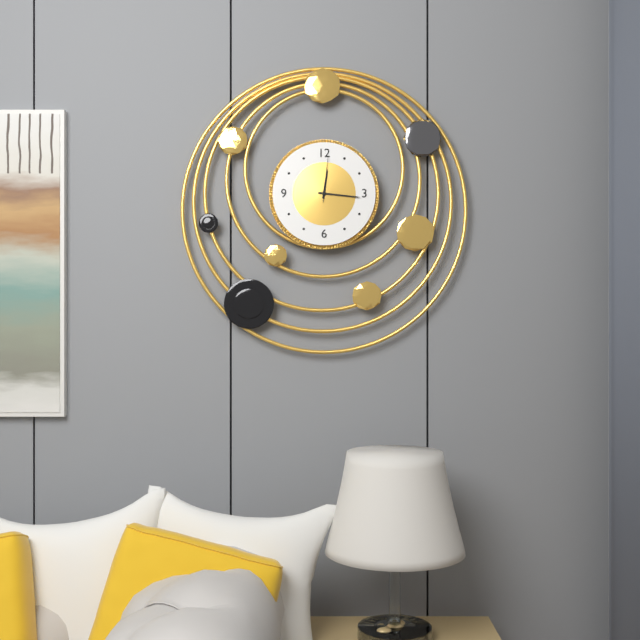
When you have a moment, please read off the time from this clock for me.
12:16
